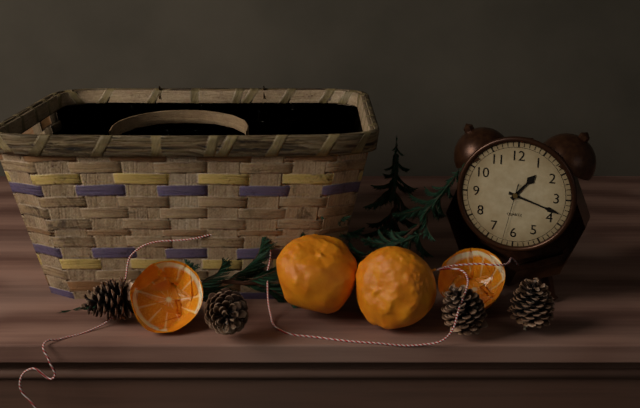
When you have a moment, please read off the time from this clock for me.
1:18:32
